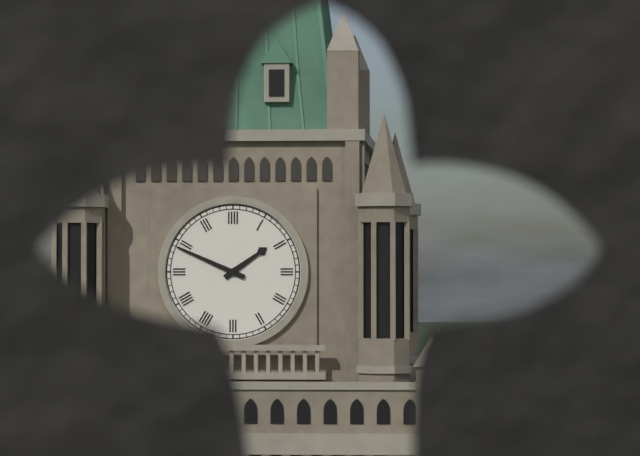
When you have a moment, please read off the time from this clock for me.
1:49
